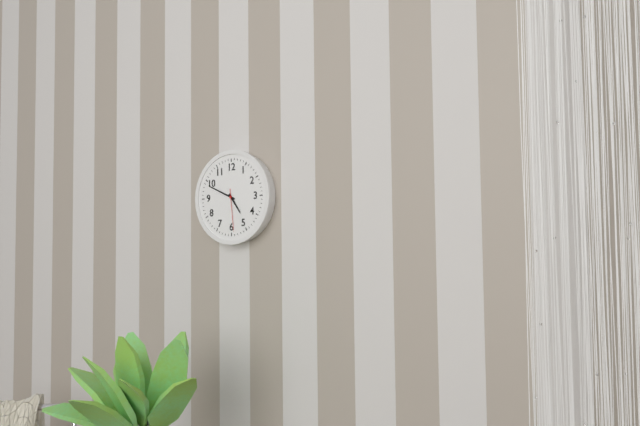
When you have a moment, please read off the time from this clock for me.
4:49
